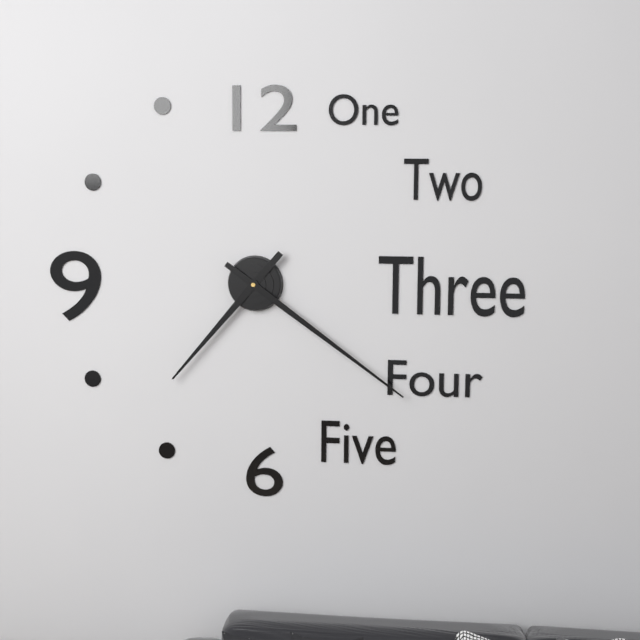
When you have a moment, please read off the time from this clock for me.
7:21
